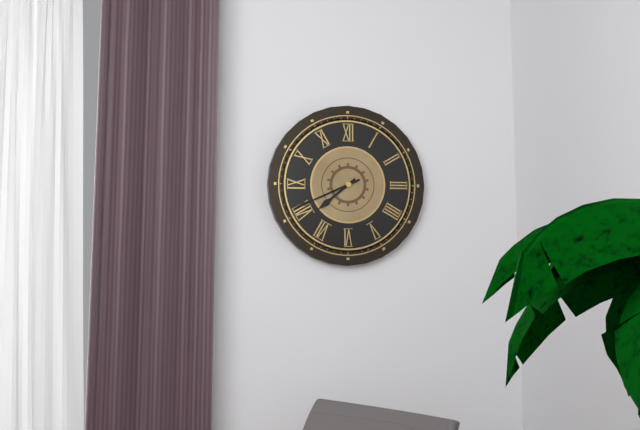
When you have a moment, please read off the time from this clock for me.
7:41
